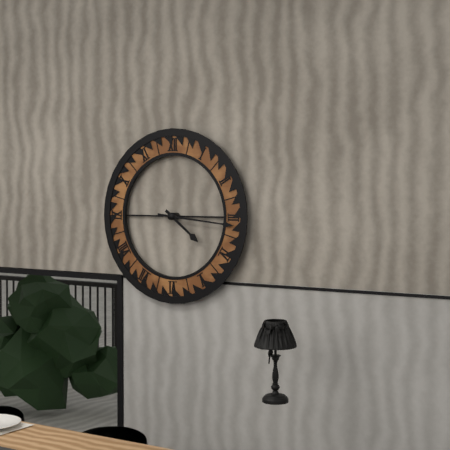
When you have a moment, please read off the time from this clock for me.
4:16
